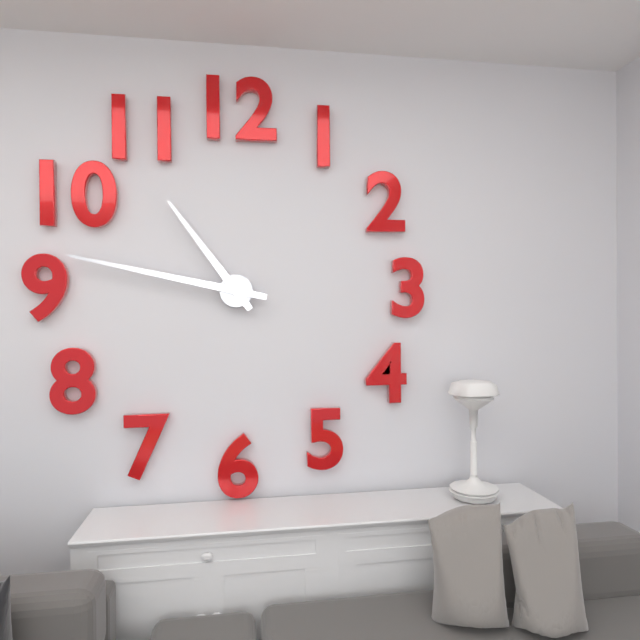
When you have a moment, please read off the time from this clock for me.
10:47
